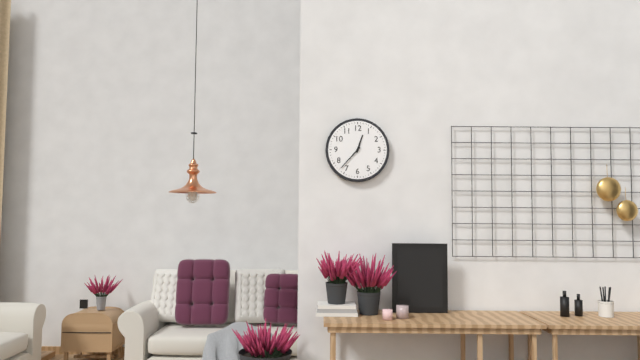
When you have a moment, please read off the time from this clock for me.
12:37
